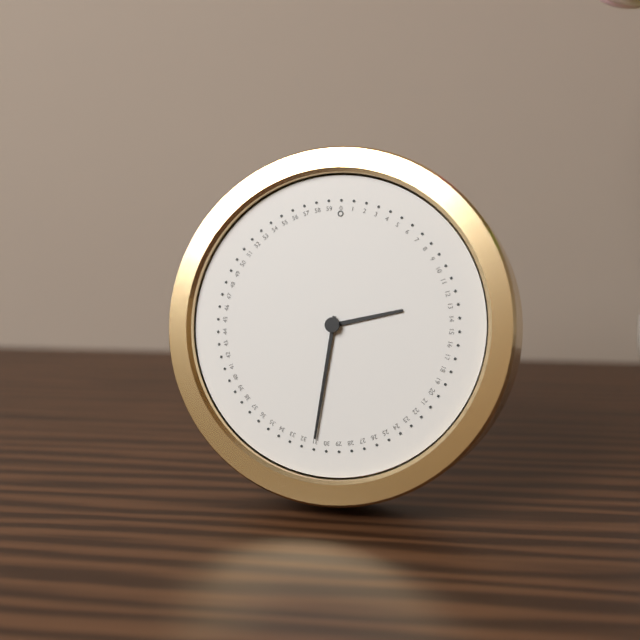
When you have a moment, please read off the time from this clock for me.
2:31
